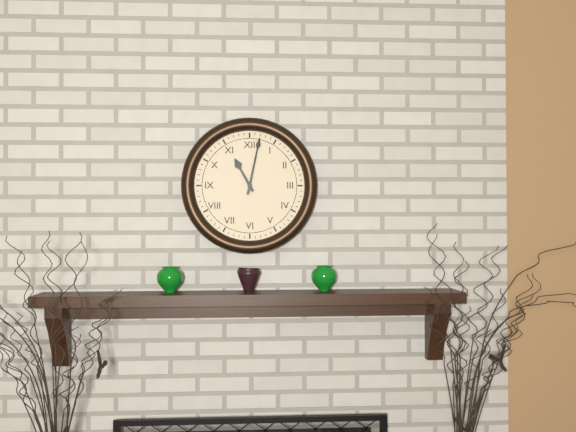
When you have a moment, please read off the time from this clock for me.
11:02
